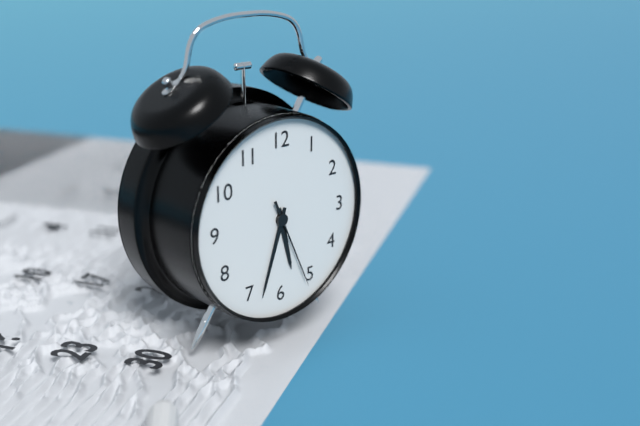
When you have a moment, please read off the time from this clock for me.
5:33:26
